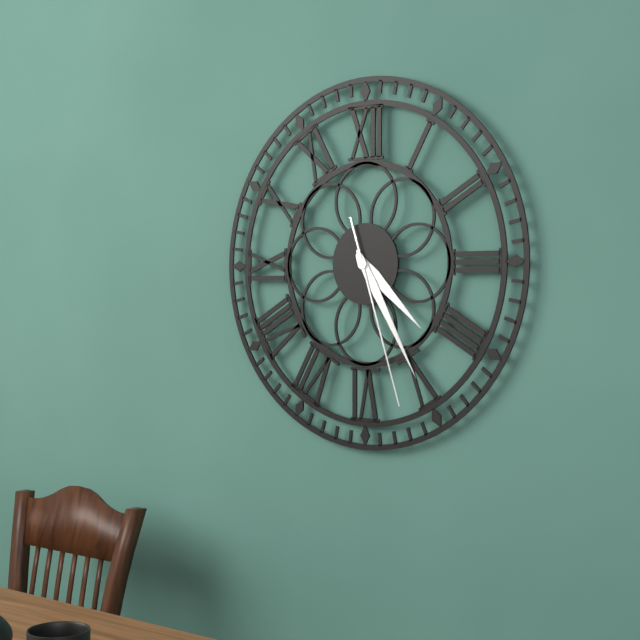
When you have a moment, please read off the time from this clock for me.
4:25:27
